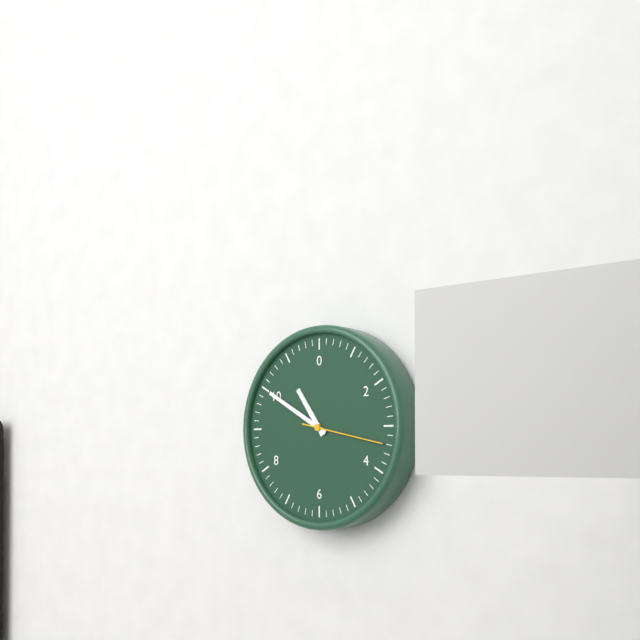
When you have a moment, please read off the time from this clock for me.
10:50:17
